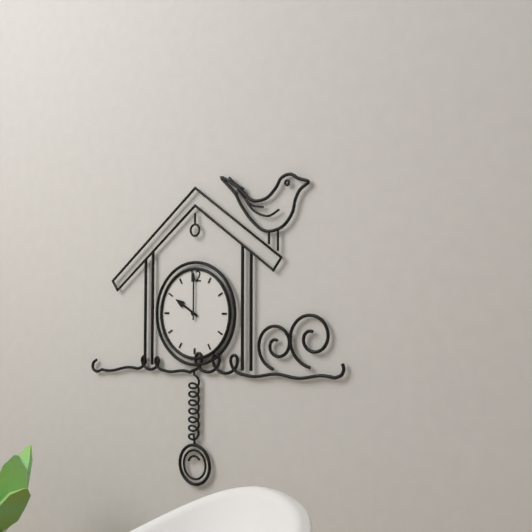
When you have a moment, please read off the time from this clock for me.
10:00
